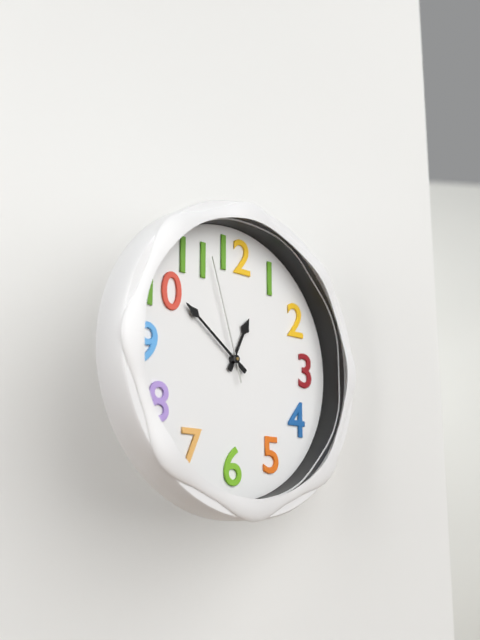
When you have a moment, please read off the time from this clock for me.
12:51:57
